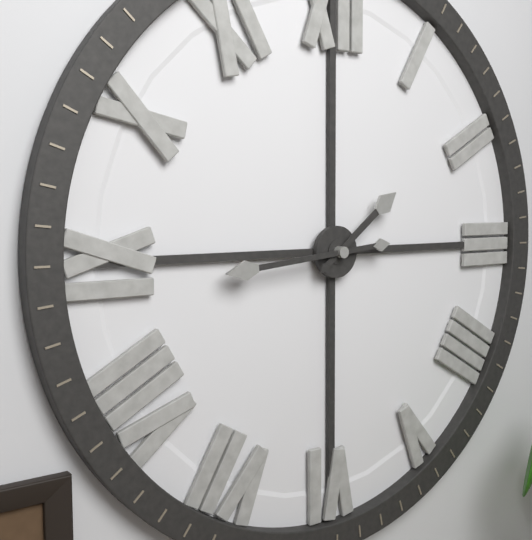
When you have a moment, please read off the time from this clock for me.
1:44
